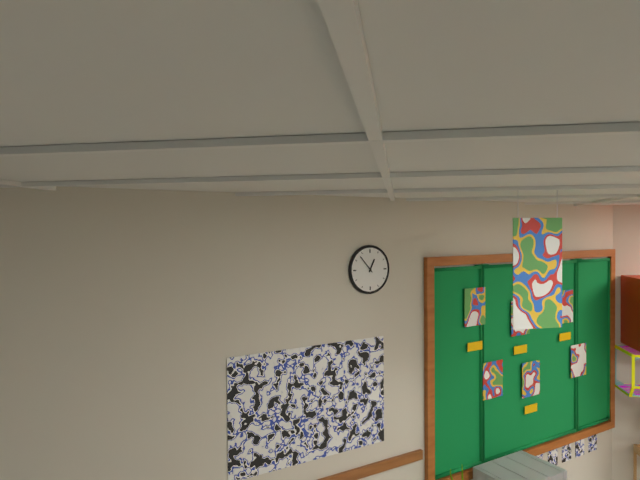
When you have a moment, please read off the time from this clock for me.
12:53
